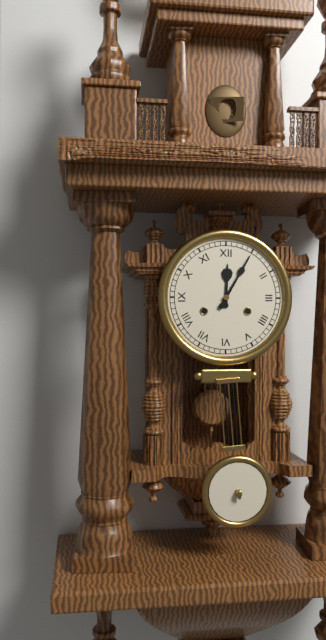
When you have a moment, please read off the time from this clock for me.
12:05
